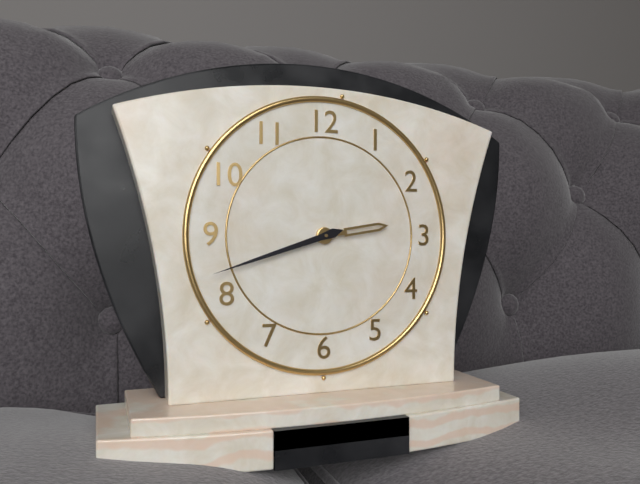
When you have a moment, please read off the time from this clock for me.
2:42
